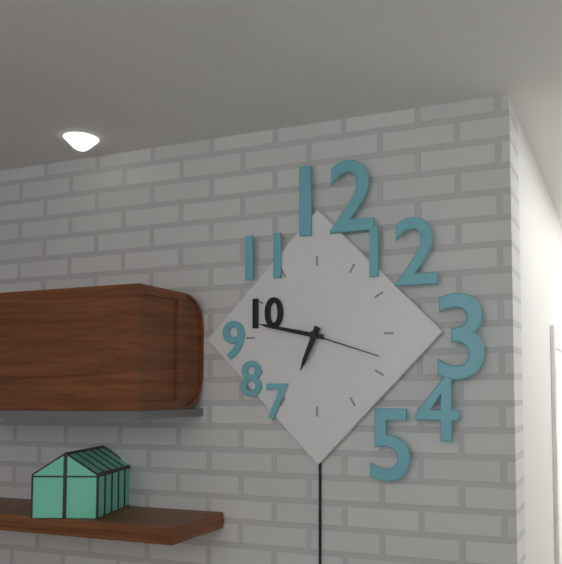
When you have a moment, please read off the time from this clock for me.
6:47:18
